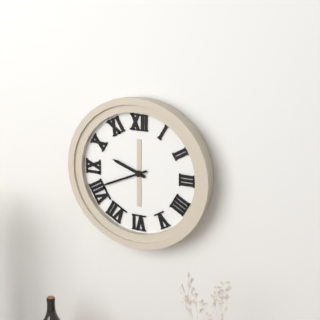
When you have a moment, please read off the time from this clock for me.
9:41
